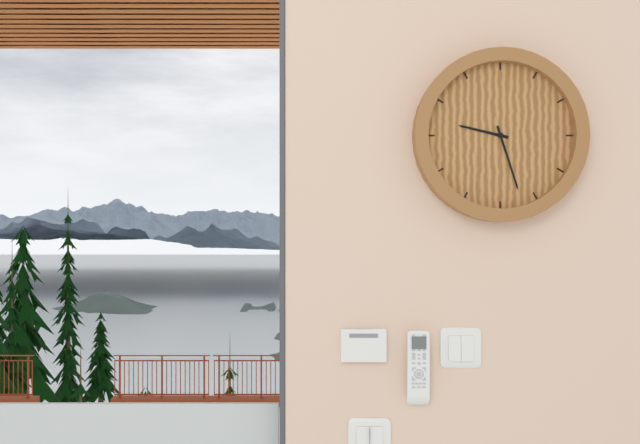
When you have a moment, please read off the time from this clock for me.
9:27
